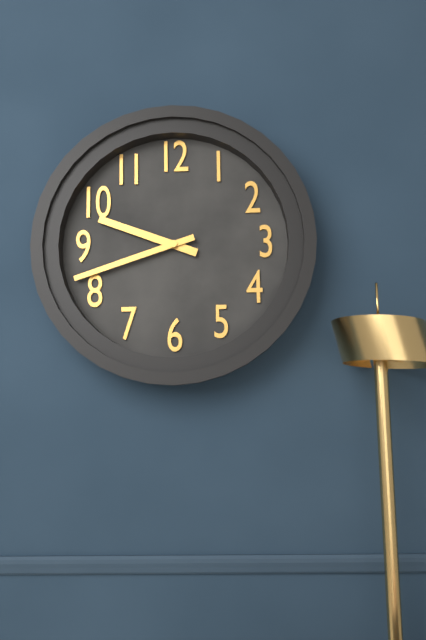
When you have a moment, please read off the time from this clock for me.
9:42
